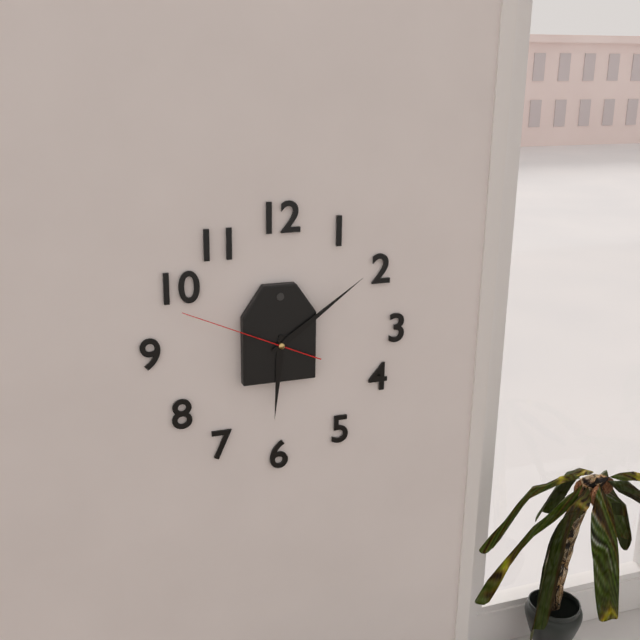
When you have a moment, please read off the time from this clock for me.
6:09:49
